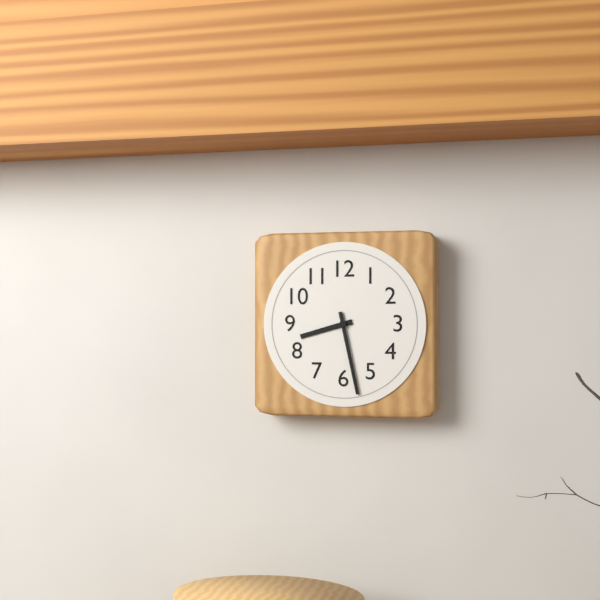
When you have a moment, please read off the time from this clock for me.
8:28
